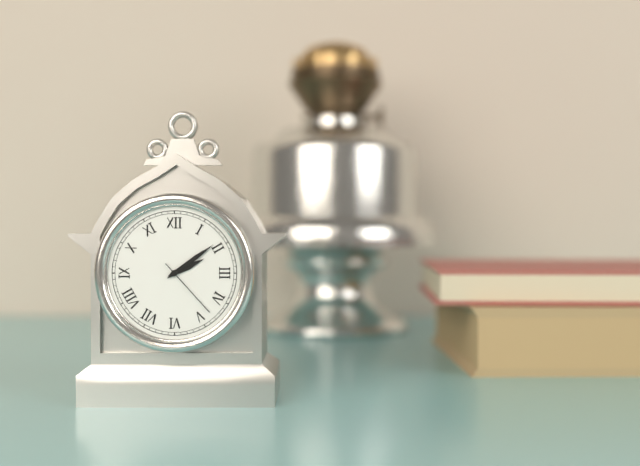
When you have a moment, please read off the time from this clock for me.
2:09:23
